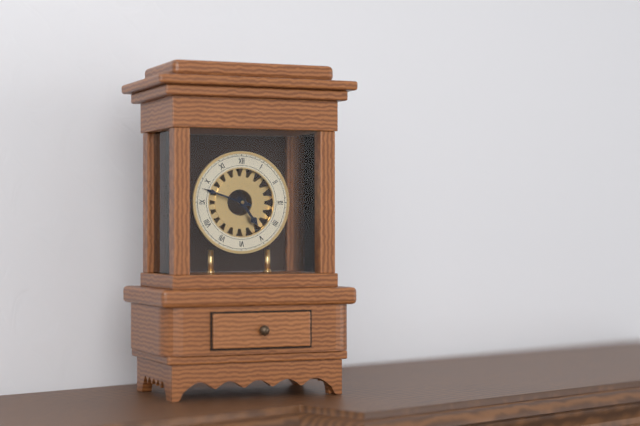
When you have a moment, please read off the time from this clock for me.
4:48
